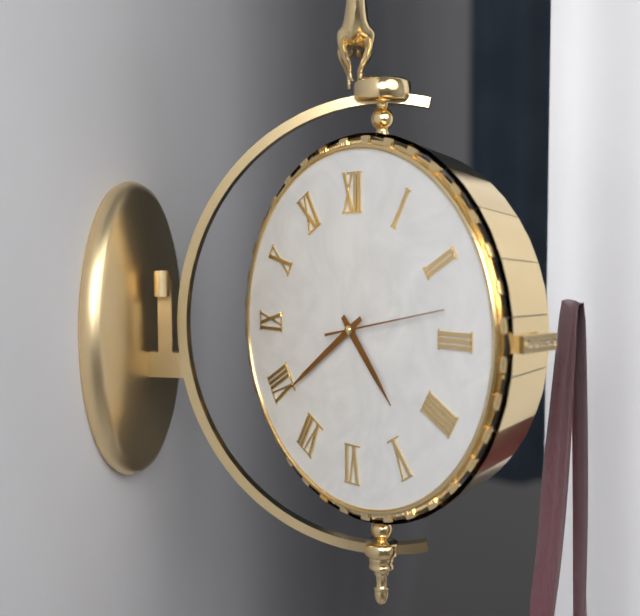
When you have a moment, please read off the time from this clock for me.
4:39:13
